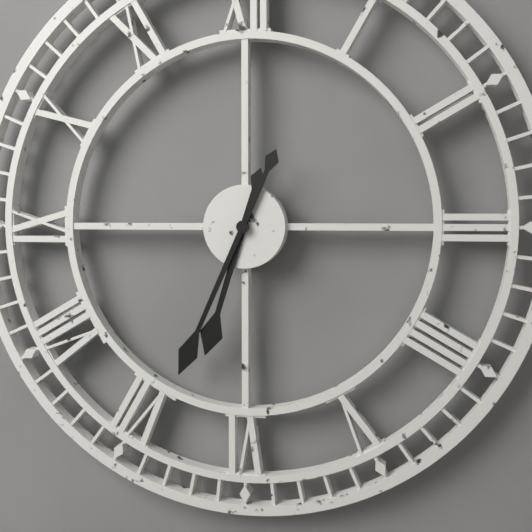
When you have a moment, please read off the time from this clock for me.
6:34
